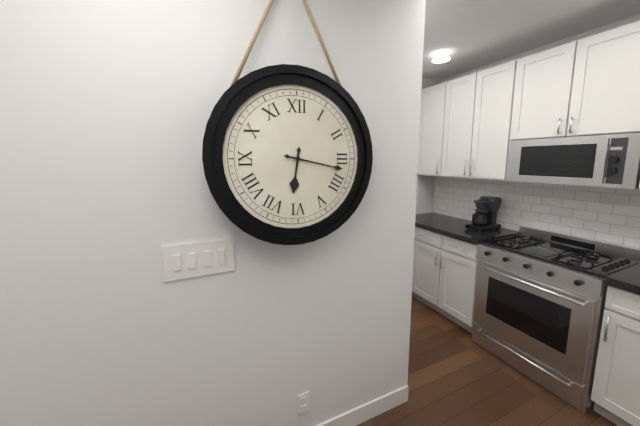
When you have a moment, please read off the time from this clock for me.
6:17
